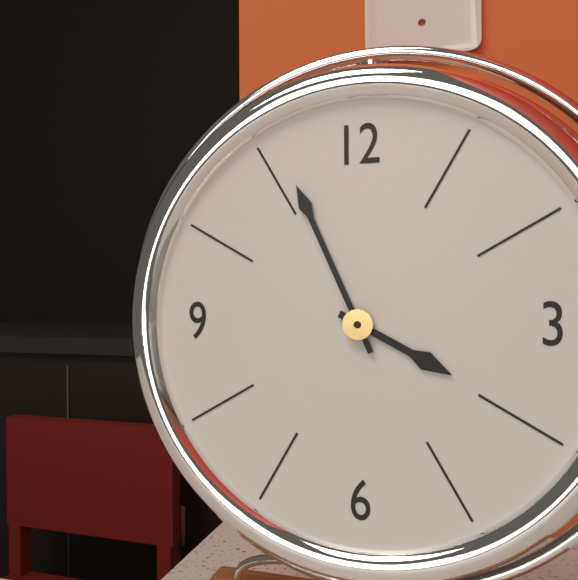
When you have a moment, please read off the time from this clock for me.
3:56
